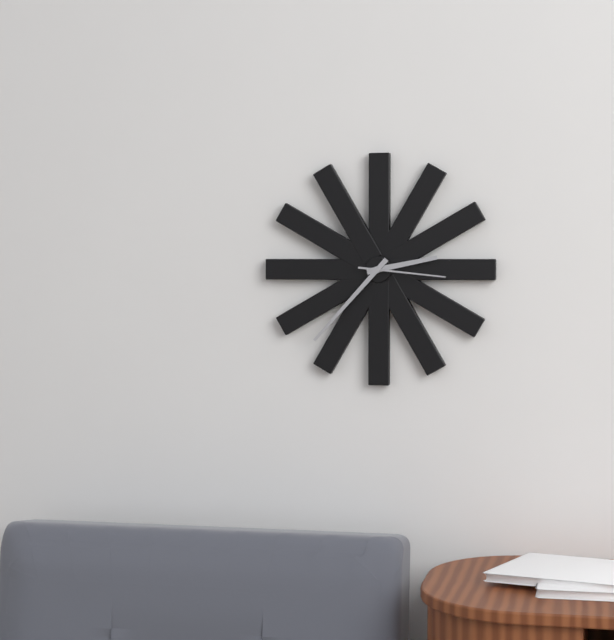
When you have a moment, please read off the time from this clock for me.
2:37:16
